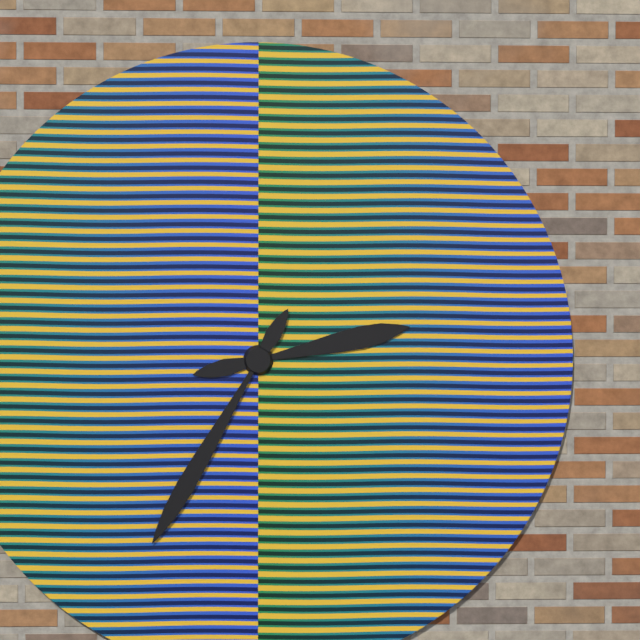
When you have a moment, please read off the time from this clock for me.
2:35
